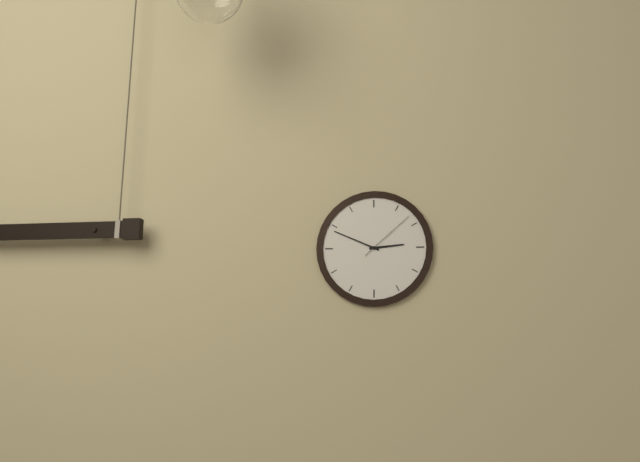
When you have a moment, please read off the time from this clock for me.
2:49:08
